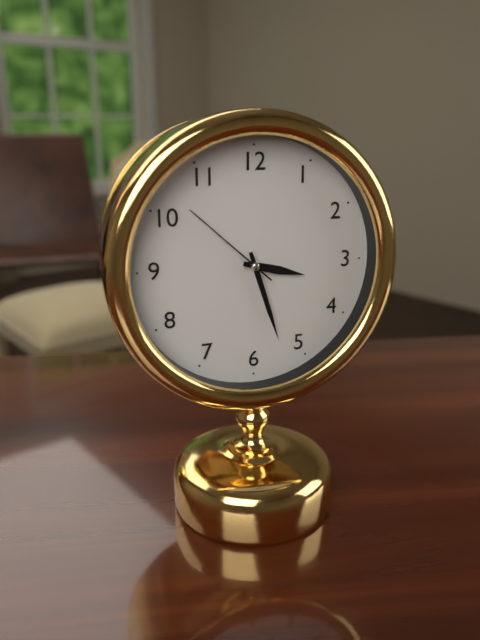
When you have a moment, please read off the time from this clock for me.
3:27:52
